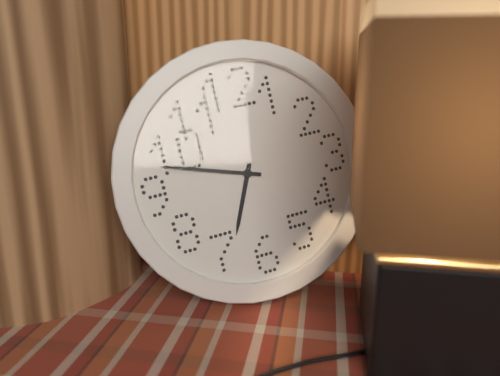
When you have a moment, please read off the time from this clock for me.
6:48
